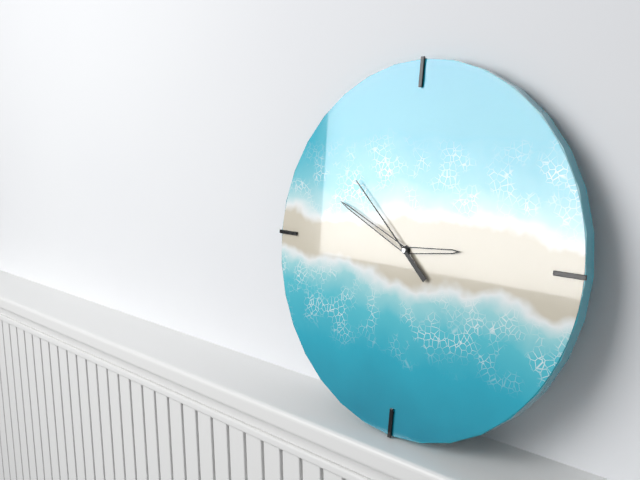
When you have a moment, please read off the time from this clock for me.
2:49:52
